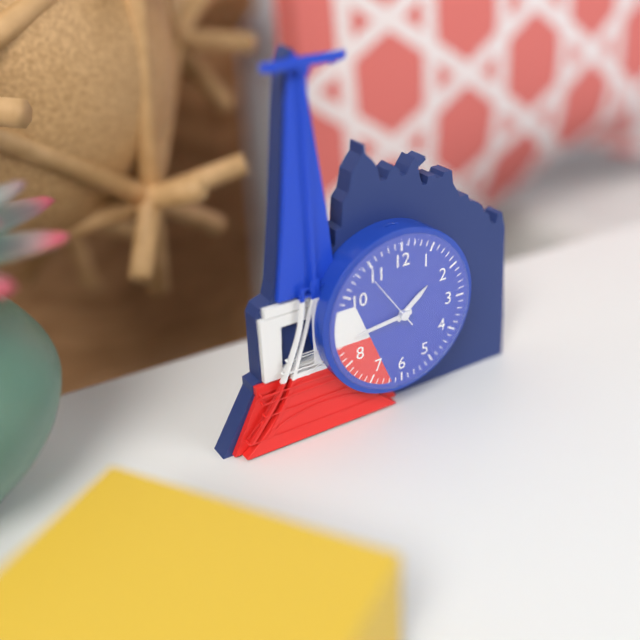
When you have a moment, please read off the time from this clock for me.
1:44:54
